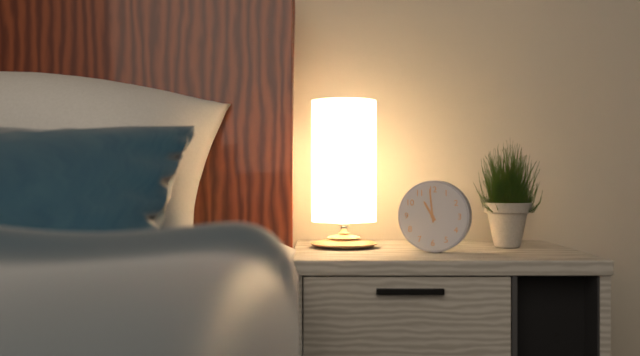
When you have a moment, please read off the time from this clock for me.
10:59
